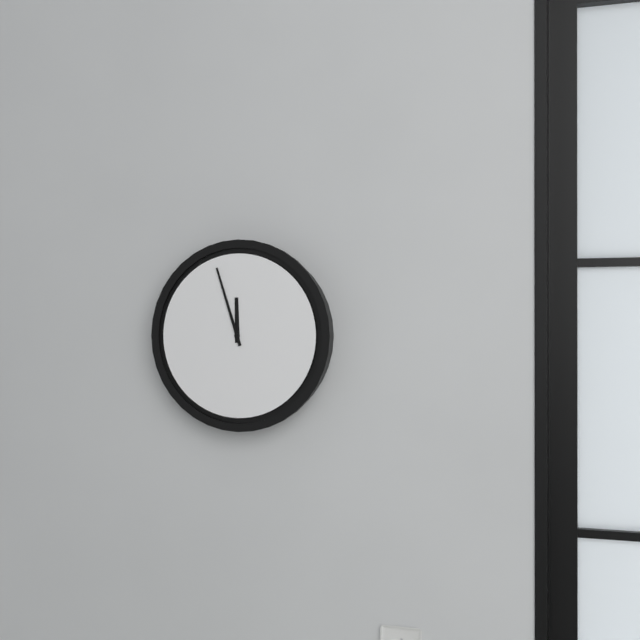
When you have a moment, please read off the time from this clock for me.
11:57
